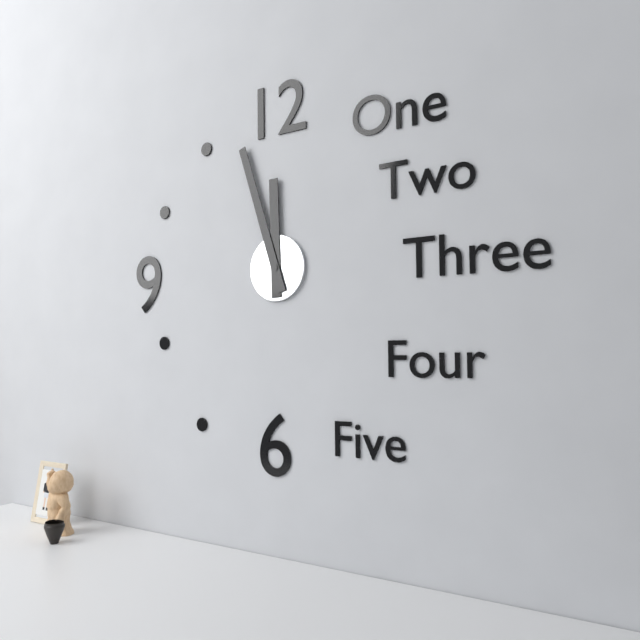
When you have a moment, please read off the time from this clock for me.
11:57
